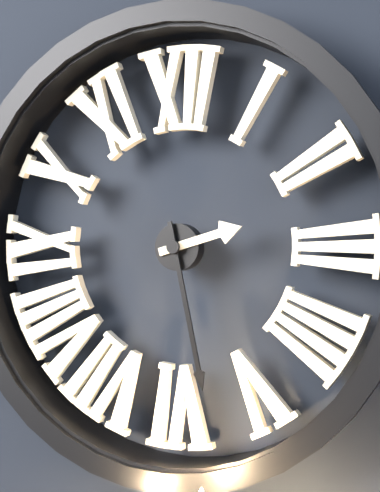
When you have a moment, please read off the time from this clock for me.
2:28
